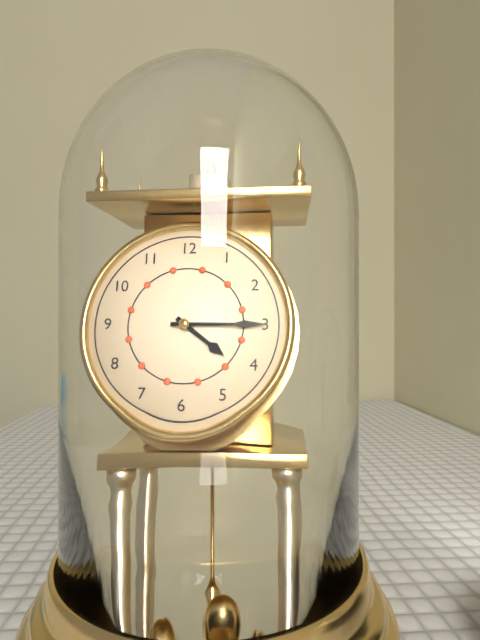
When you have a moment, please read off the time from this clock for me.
4:15
